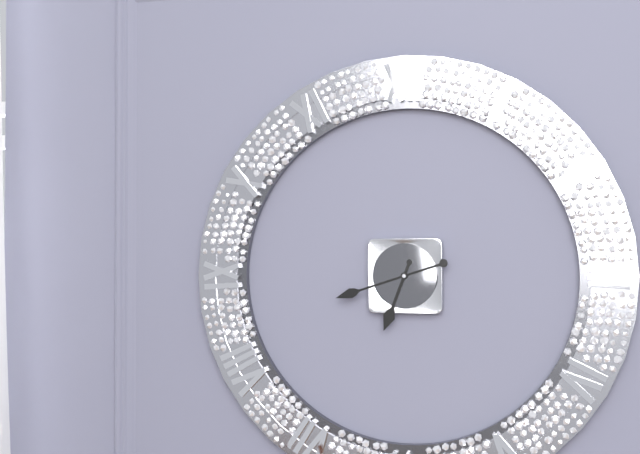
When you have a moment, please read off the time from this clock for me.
6:42
